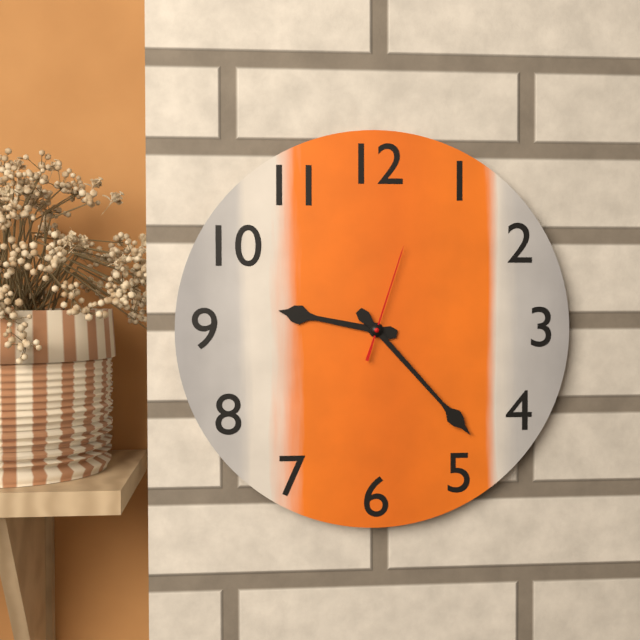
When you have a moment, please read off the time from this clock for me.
9:23:03
